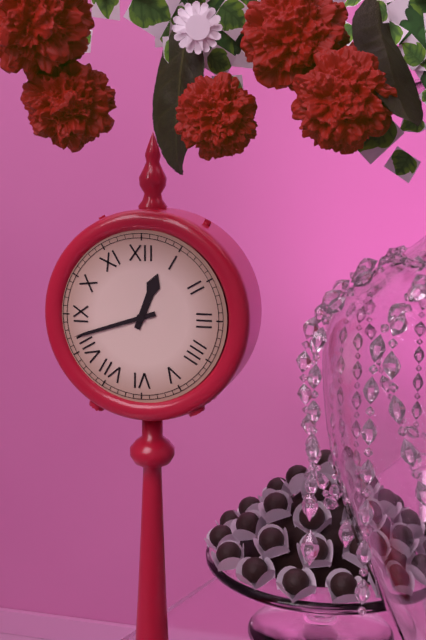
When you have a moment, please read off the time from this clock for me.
12:42
